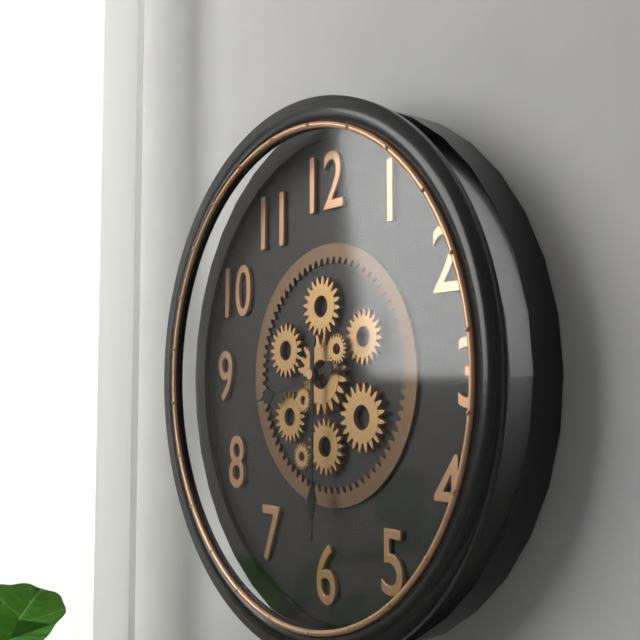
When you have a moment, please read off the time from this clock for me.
8:30
